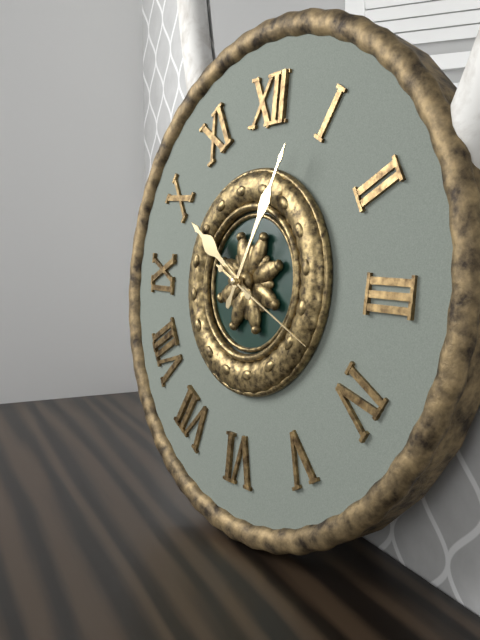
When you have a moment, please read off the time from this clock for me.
10:04:19
